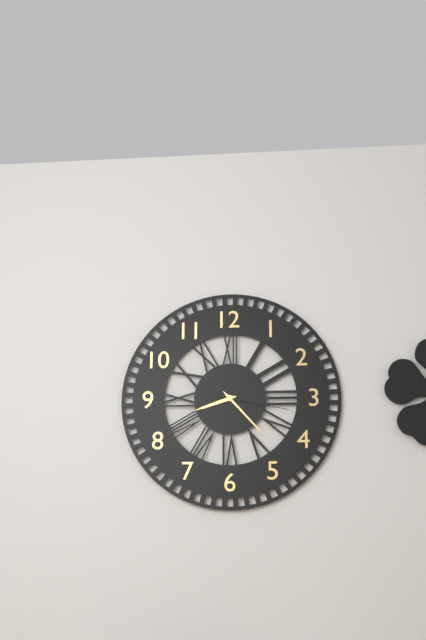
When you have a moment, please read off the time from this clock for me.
8:23:17
